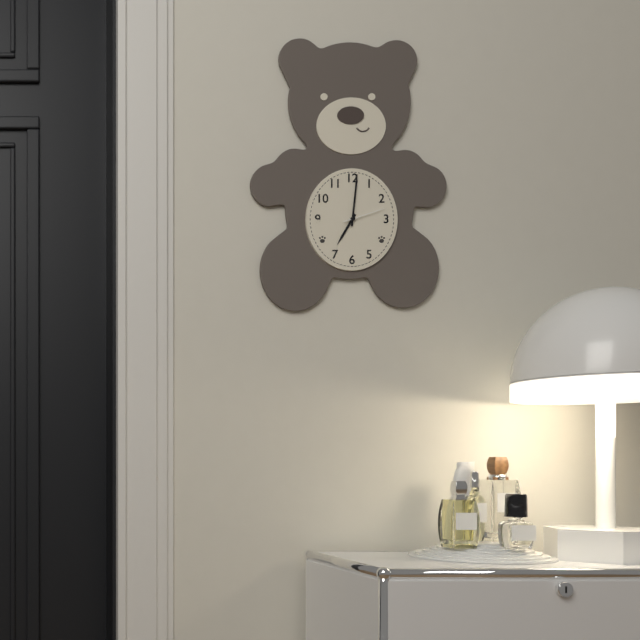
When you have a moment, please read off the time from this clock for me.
7:01
